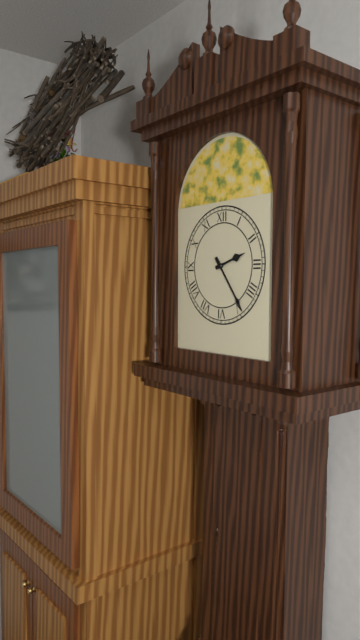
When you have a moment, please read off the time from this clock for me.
2:24
